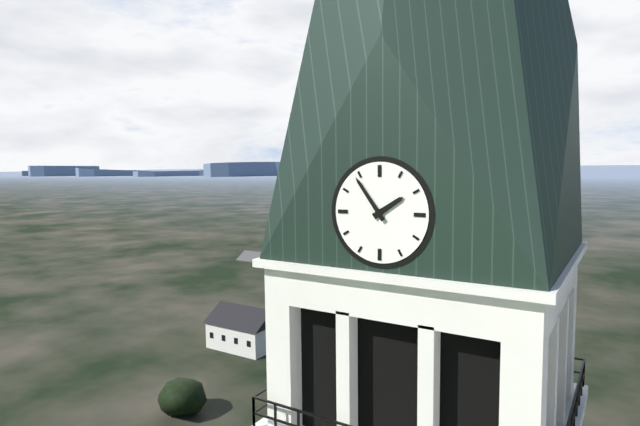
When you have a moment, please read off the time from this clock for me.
1:54
